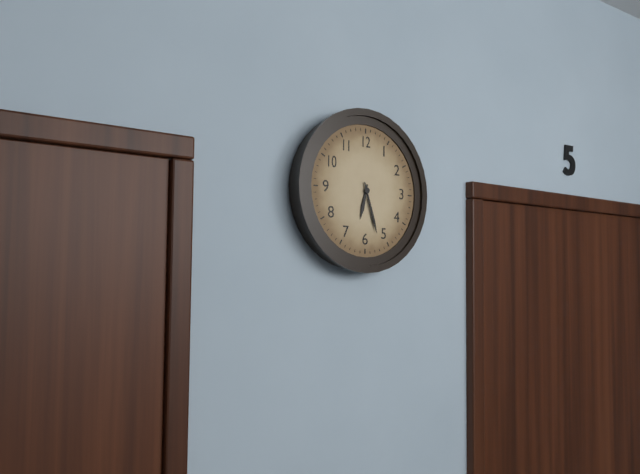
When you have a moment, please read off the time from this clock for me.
6:27
